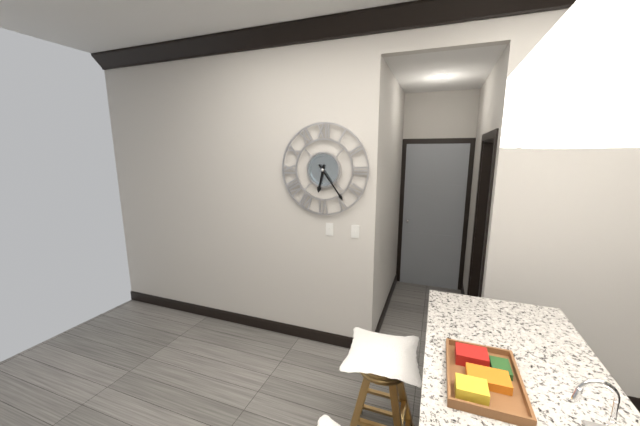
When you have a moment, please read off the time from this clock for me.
6:24
